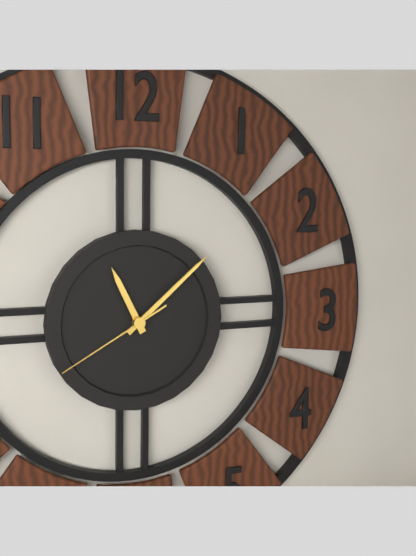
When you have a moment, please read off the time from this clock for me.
11:08:40
